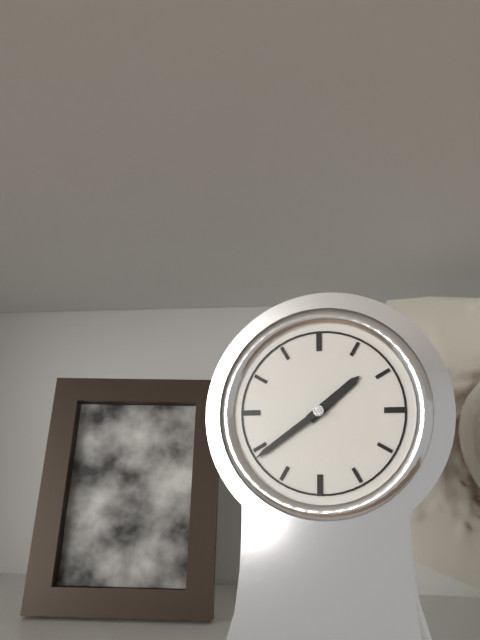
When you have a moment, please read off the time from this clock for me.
1:39
